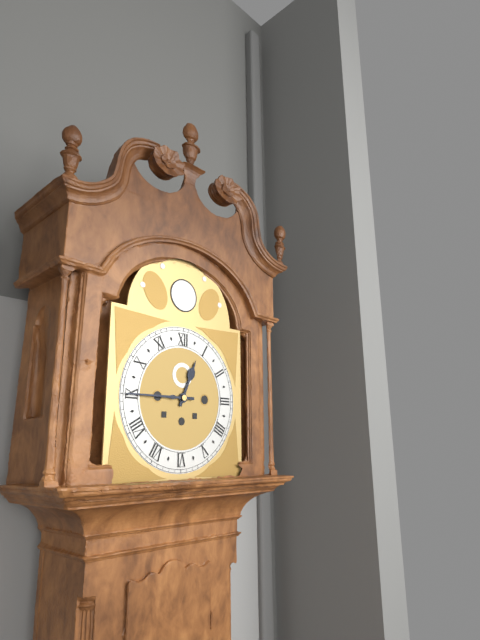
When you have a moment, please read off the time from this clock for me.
12:45
